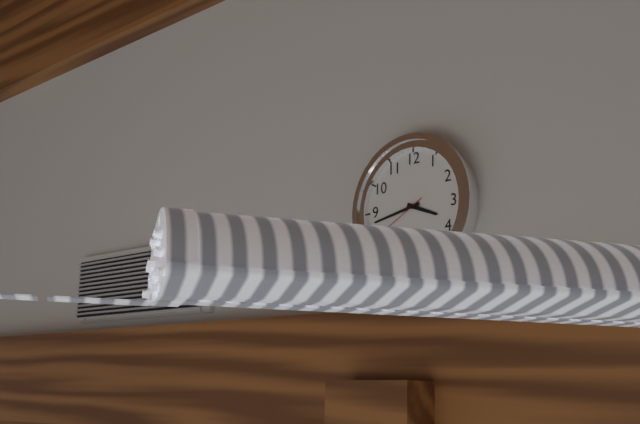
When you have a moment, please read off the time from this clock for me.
3:43
